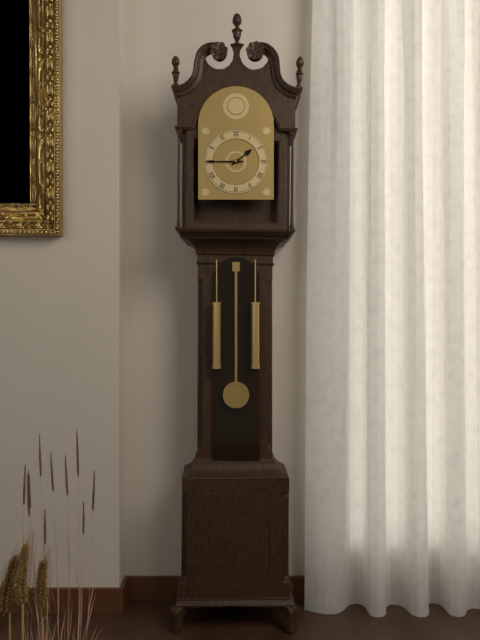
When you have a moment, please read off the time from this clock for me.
1:45
